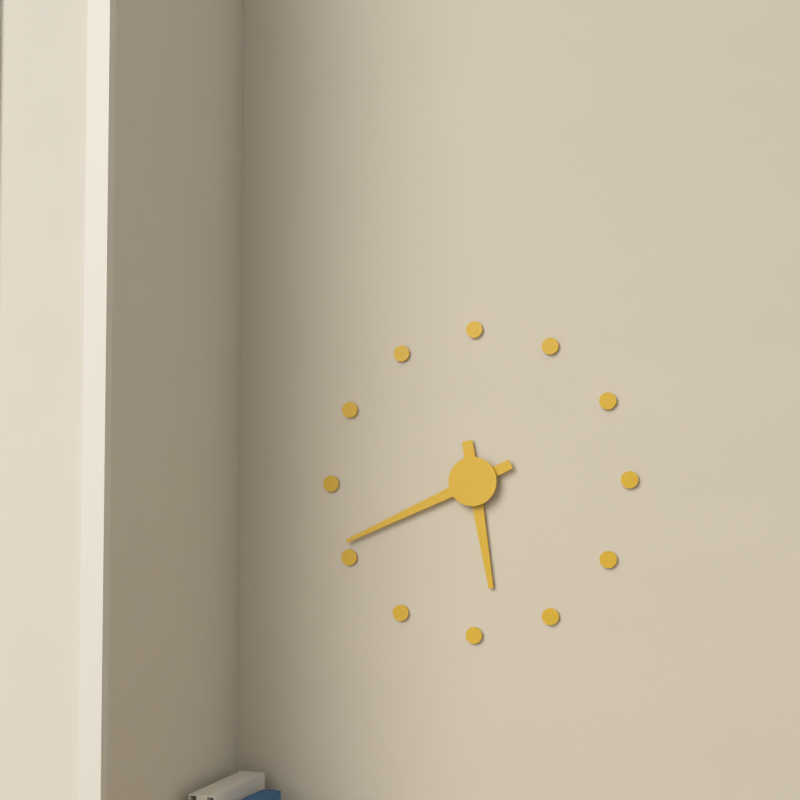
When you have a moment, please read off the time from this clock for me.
5:41
